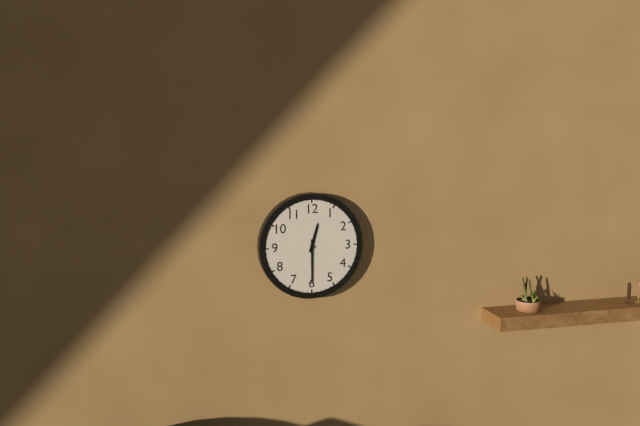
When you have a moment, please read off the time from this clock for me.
12:30
